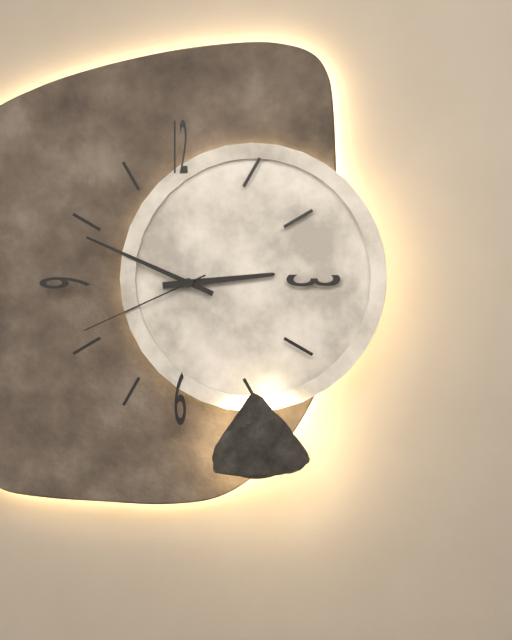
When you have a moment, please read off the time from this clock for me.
2:49:41
